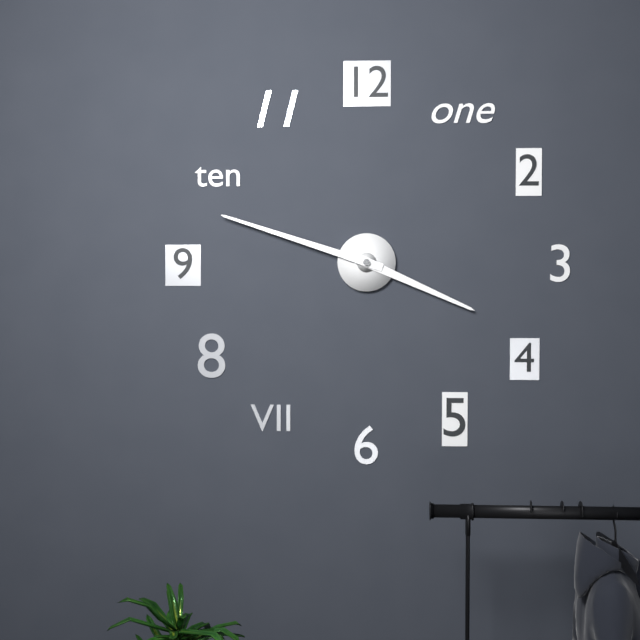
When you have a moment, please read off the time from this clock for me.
3:48
